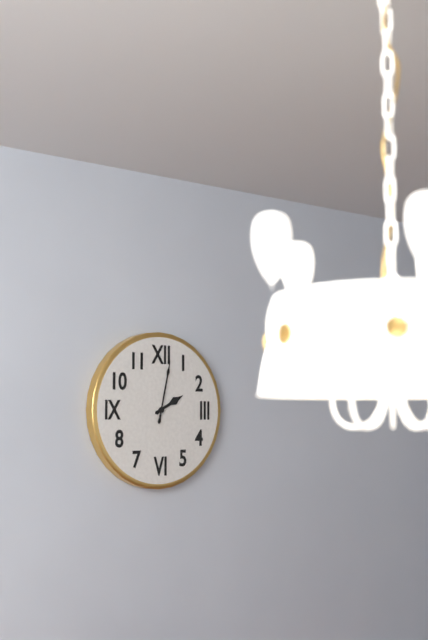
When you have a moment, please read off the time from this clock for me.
2:02
